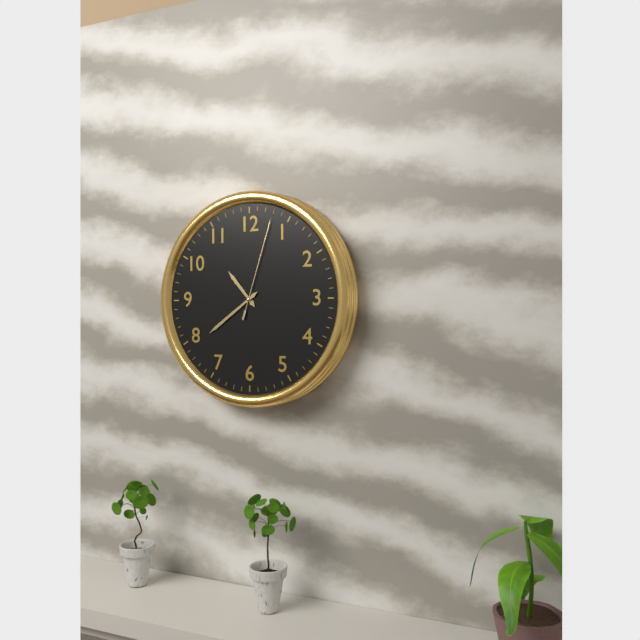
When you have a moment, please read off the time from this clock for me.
10:39:03
